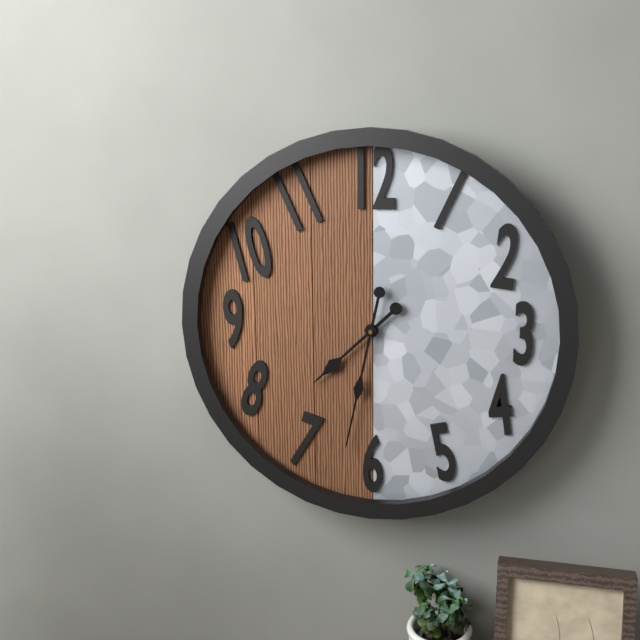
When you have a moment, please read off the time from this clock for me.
7:32
